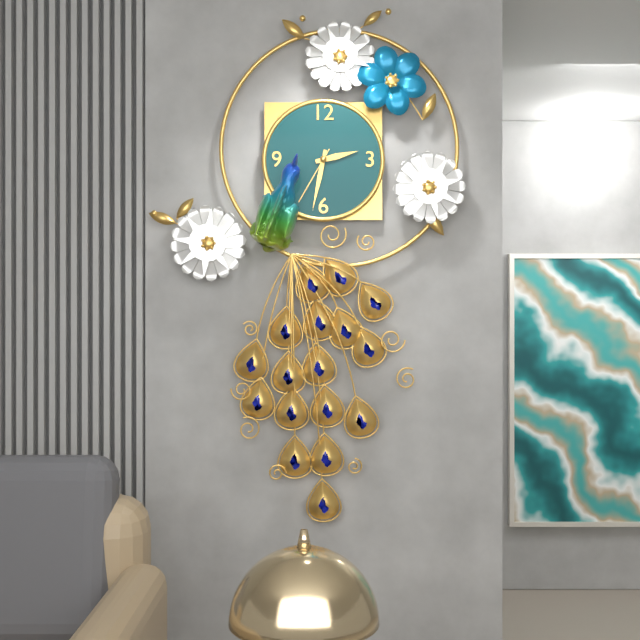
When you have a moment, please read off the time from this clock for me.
2:32:35
